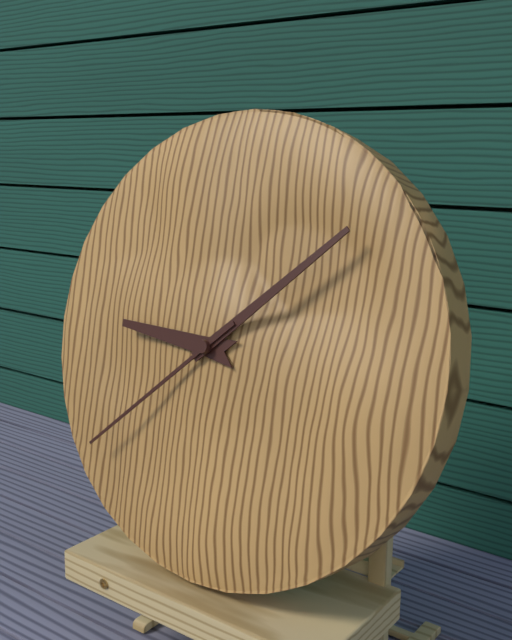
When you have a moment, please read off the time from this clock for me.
9:08:38
